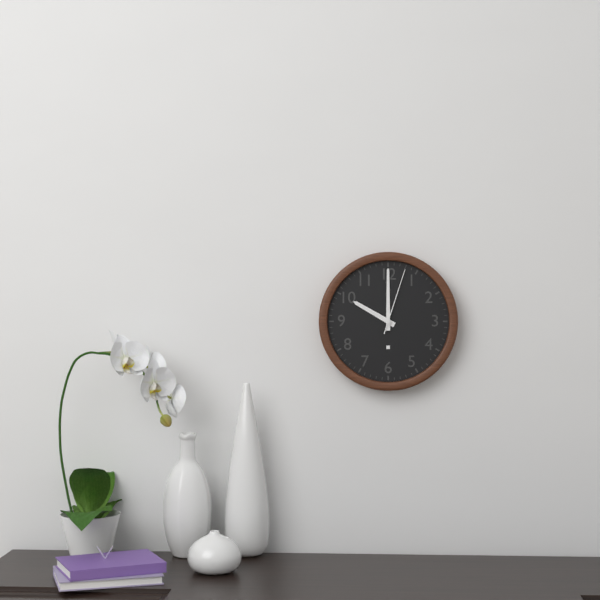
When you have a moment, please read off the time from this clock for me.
10:00:03
